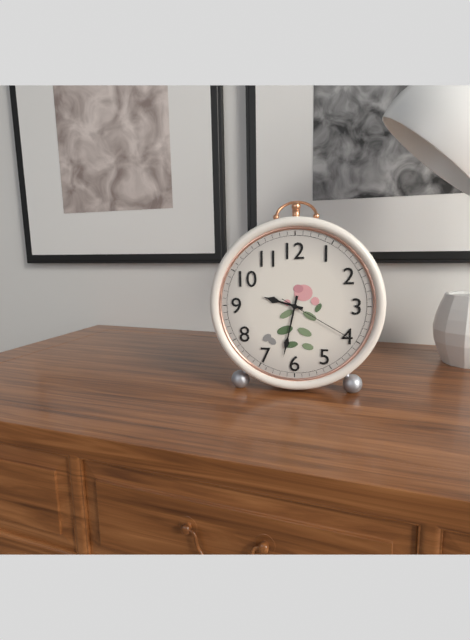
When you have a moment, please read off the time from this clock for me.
9:32:20
